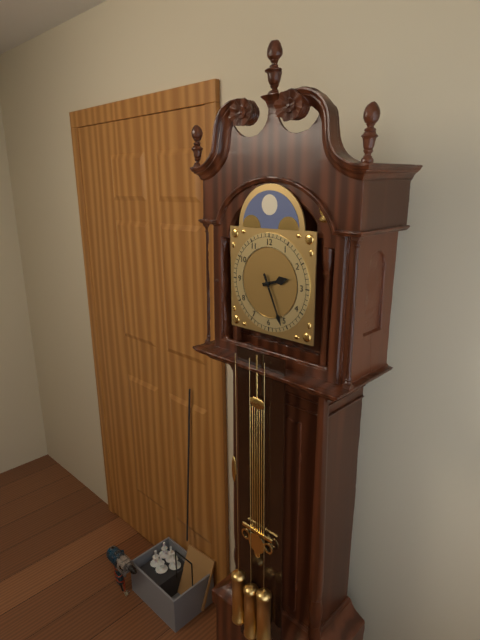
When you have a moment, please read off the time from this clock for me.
2:26
